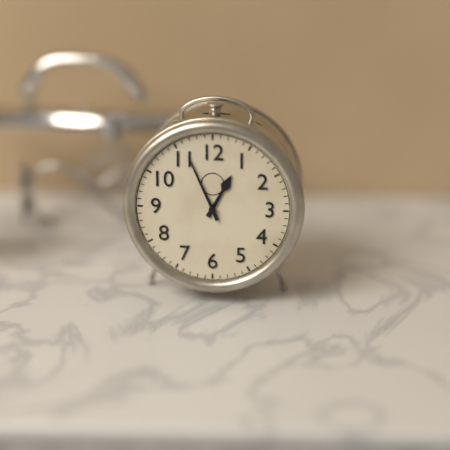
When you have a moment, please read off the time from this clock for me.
12:56
